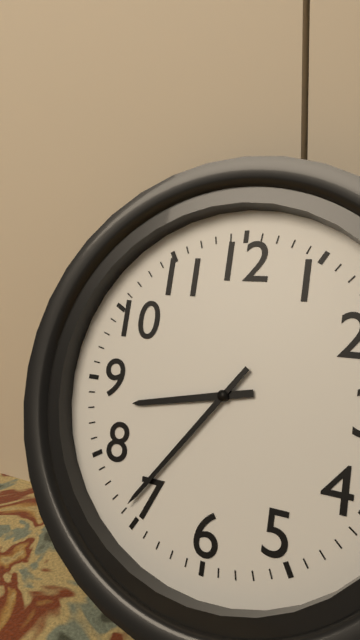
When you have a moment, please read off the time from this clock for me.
8:36
